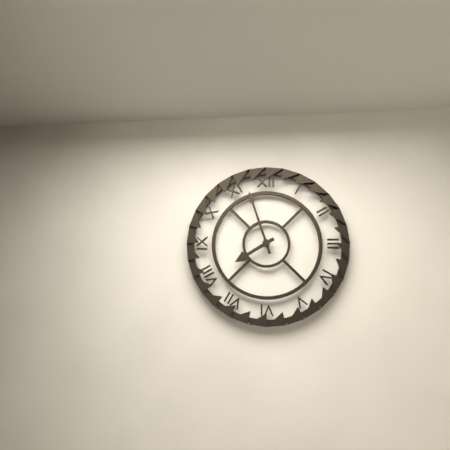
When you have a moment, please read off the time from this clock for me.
7:57
